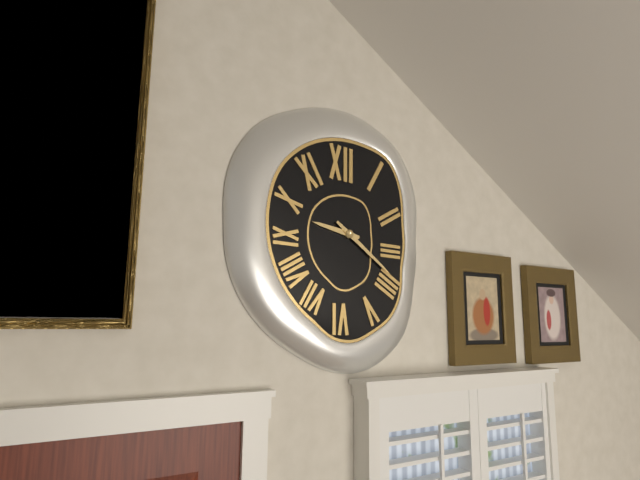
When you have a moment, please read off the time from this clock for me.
9:21
